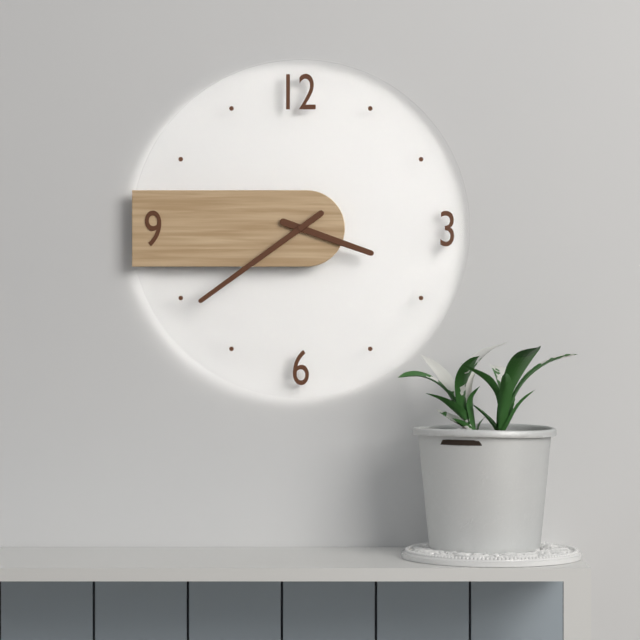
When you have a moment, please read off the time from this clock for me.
3:39
